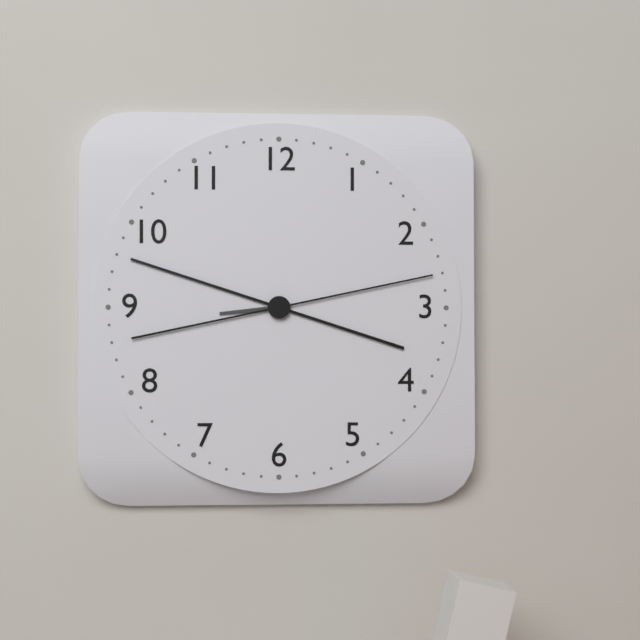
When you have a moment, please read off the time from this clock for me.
8:48:13
